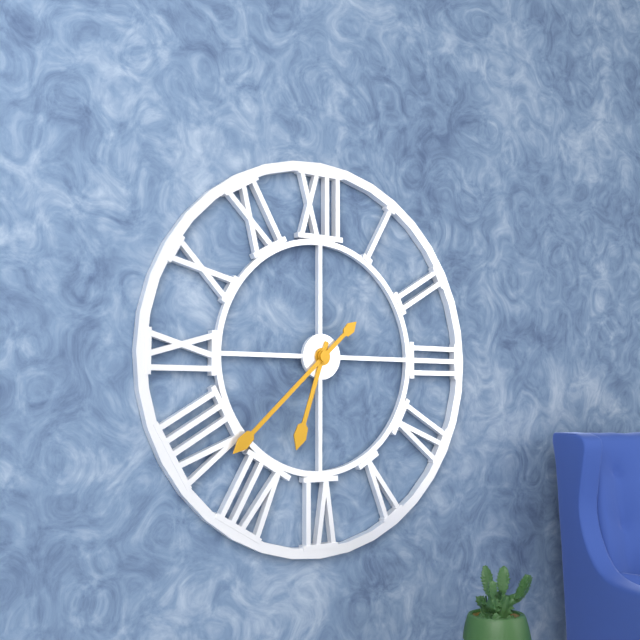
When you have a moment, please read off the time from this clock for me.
6:38
